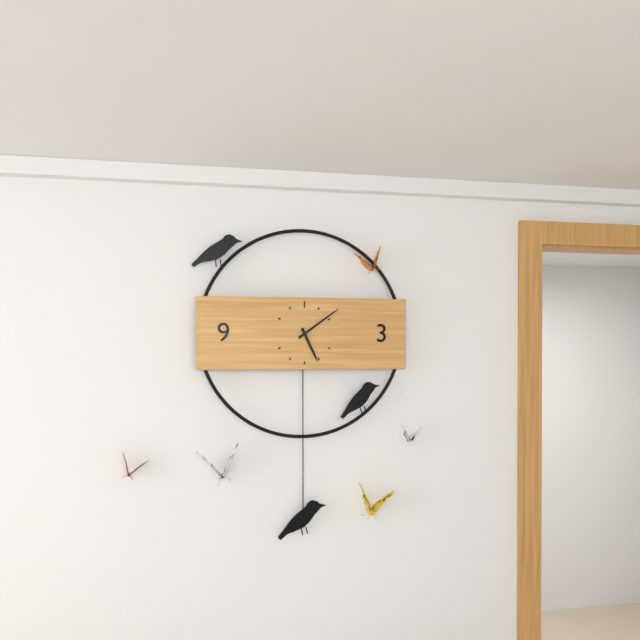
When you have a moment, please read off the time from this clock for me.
5:09
